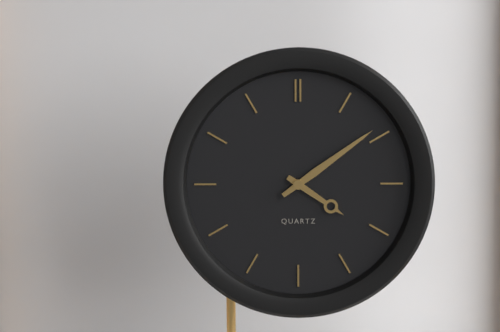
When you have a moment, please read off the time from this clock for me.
4:09
